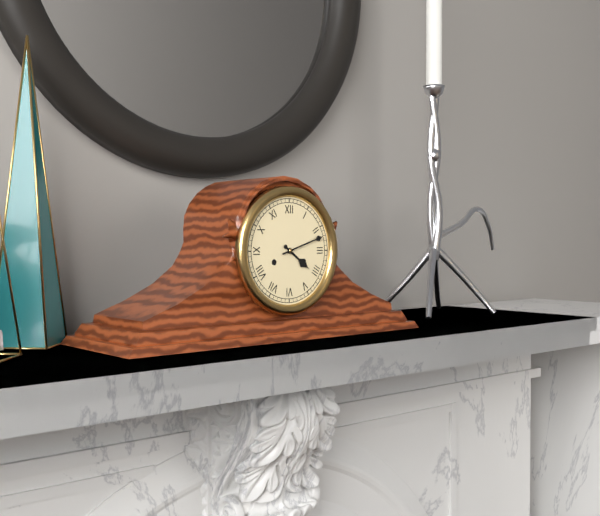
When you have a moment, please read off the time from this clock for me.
4:12
